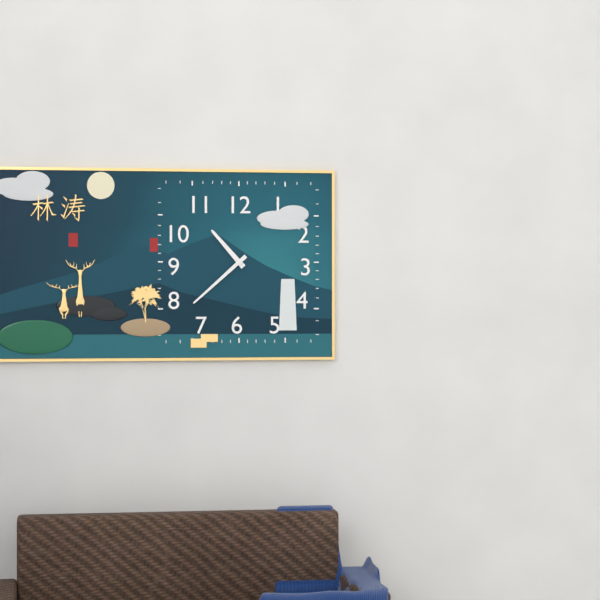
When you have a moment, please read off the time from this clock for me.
10:38
